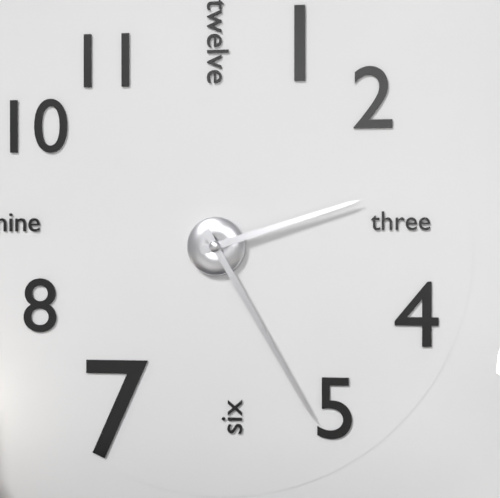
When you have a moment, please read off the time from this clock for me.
2:25
